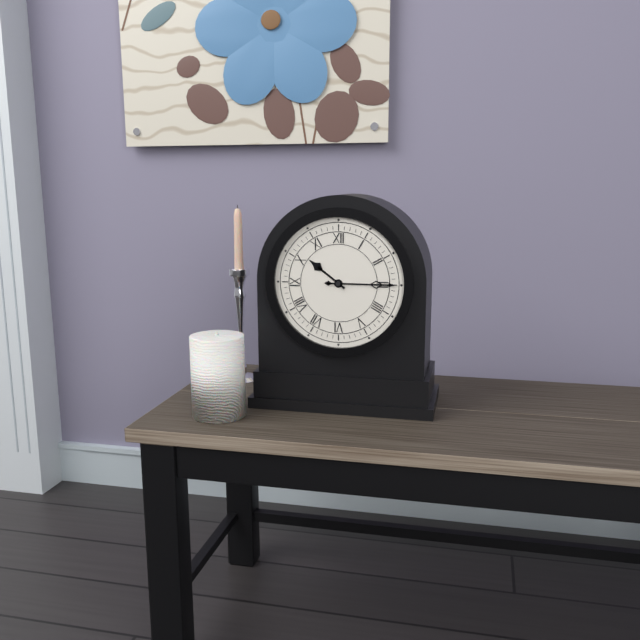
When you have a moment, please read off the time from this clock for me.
10:15
